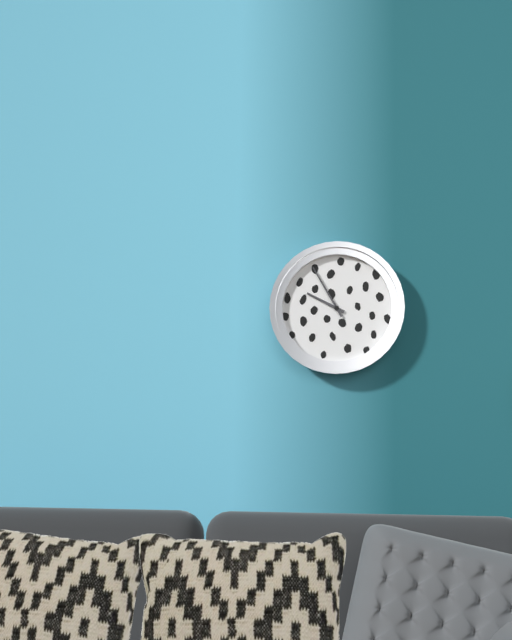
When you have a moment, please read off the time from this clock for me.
9:55
